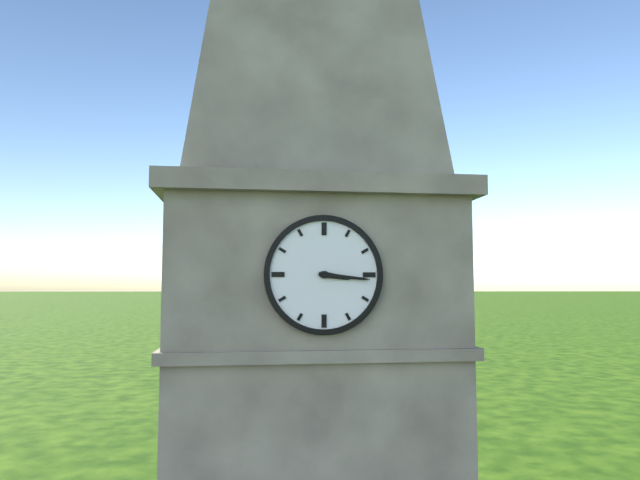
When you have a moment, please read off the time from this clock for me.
3:16
